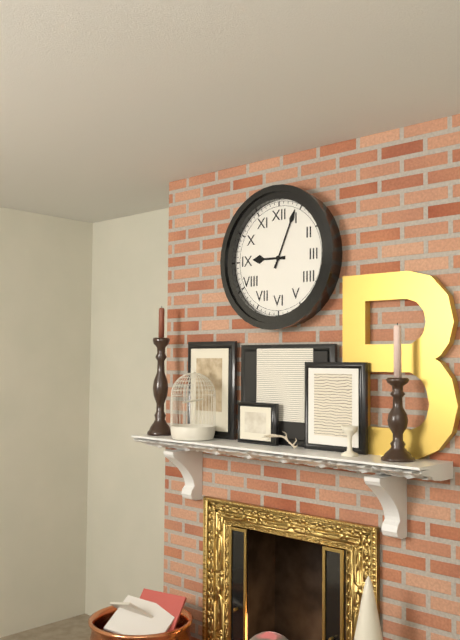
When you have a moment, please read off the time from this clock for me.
9:04
